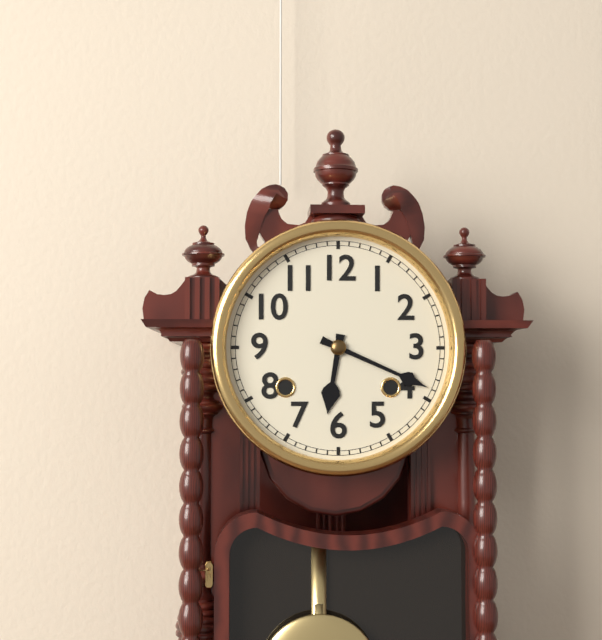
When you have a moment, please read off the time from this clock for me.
6:19
